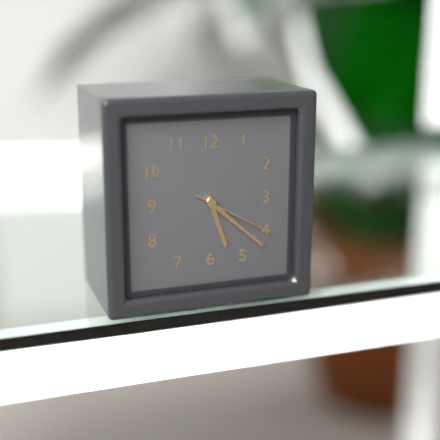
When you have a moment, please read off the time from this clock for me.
5:22:20
